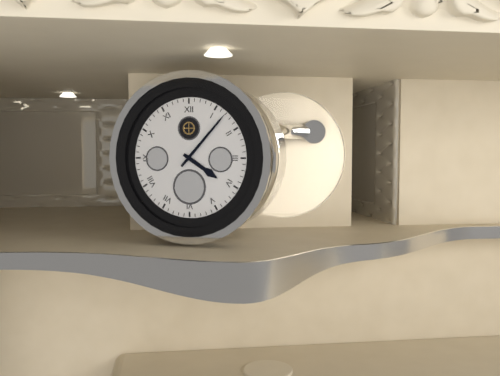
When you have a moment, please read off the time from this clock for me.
4:07
